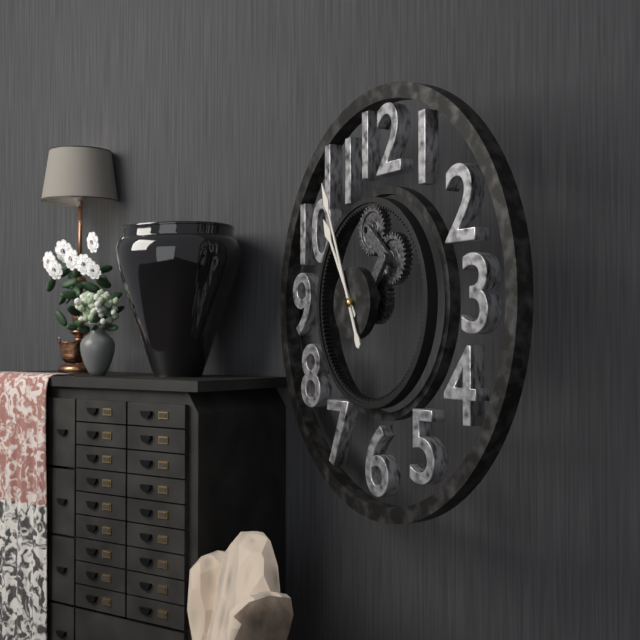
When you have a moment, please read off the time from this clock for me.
10:56
